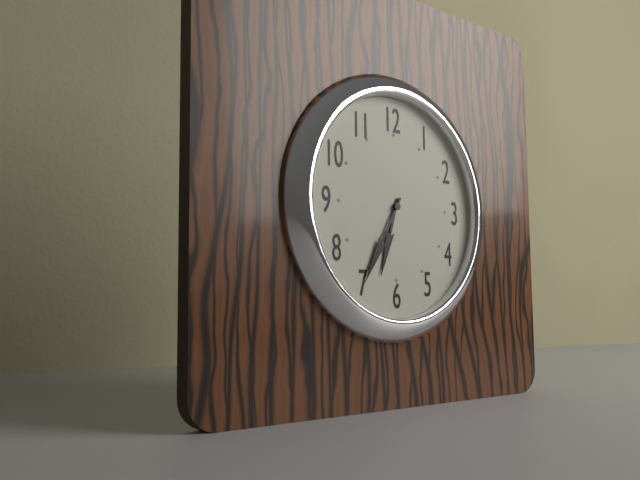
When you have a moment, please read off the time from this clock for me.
6:35
